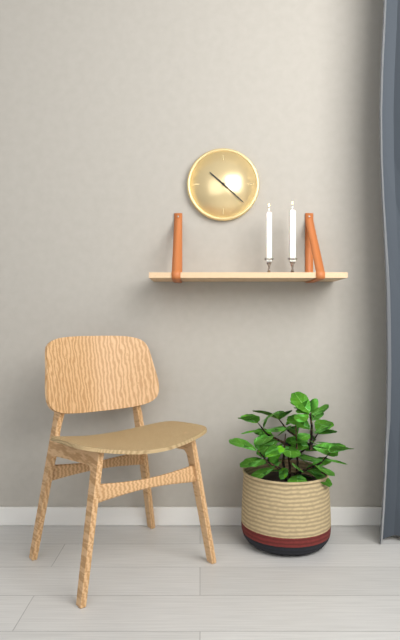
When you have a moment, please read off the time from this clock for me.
10:22
